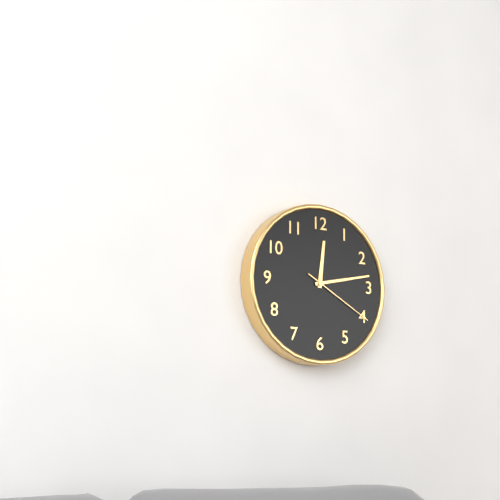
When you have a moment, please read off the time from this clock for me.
12:13:20
